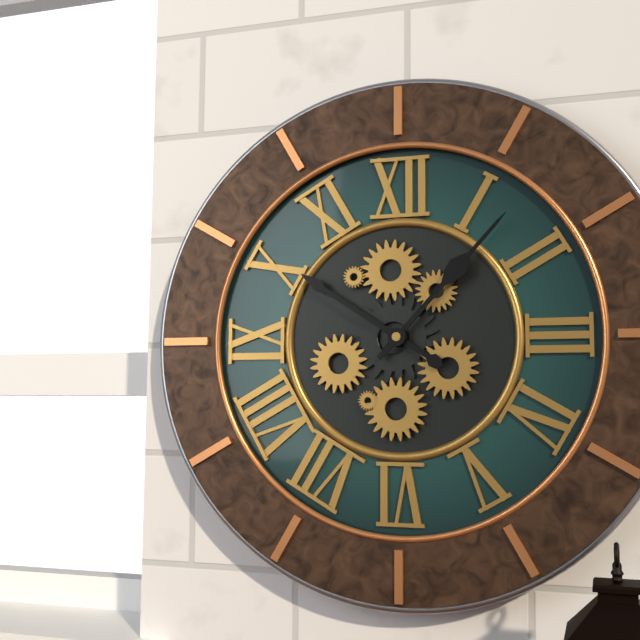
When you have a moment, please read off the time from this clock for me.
10:07
